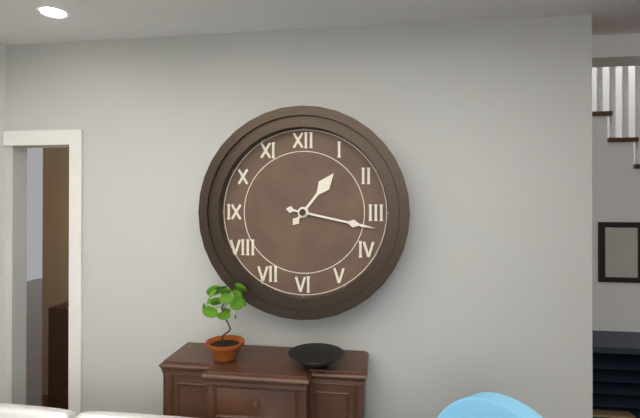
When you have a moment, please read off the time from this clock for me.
1:17
